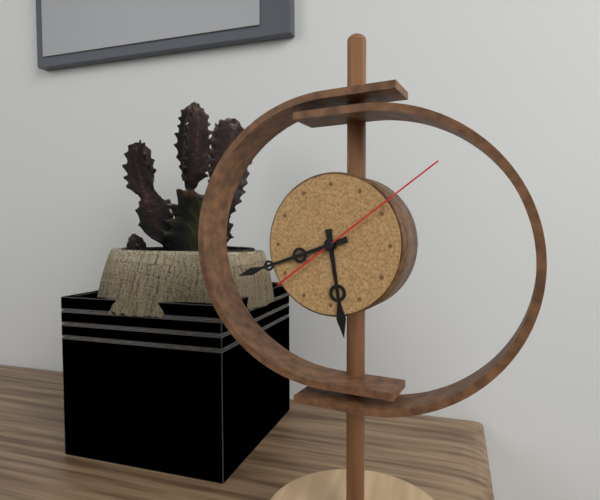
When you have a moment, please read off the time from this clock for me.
5:42:09
